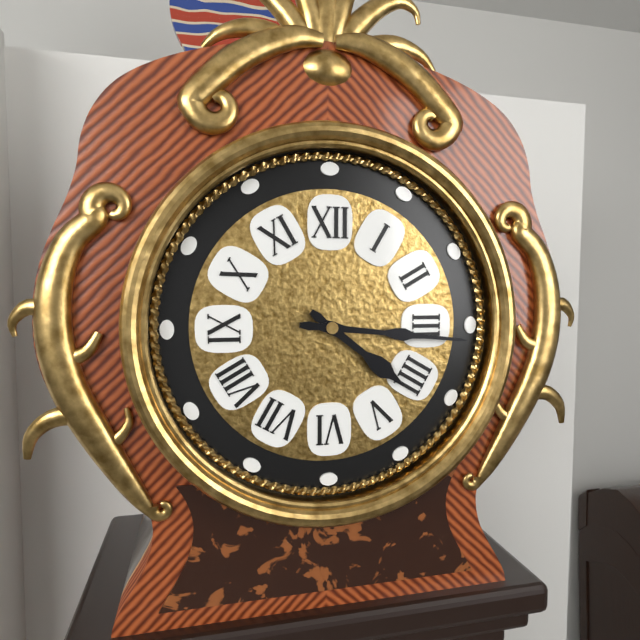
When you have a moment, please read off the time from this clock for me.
4:16
